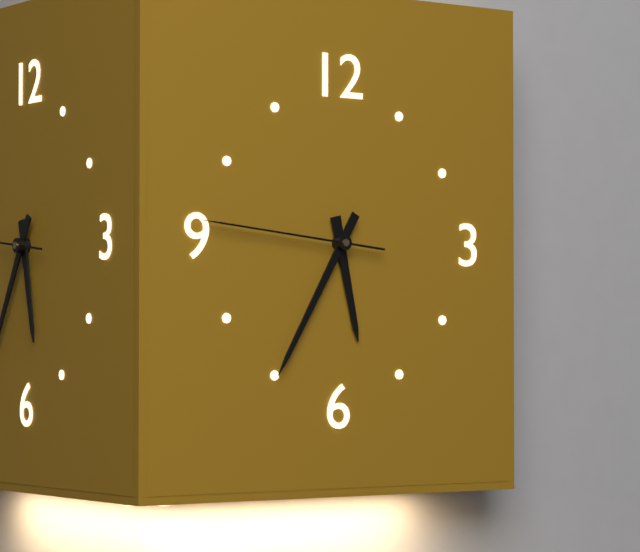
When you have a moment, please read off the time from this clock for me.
5:35:46
